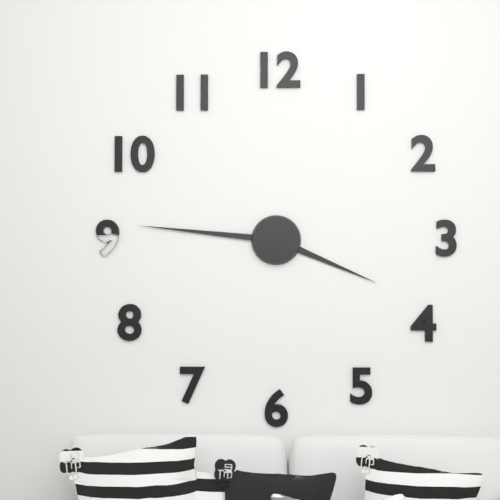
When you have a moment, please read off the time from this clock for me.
3:46
